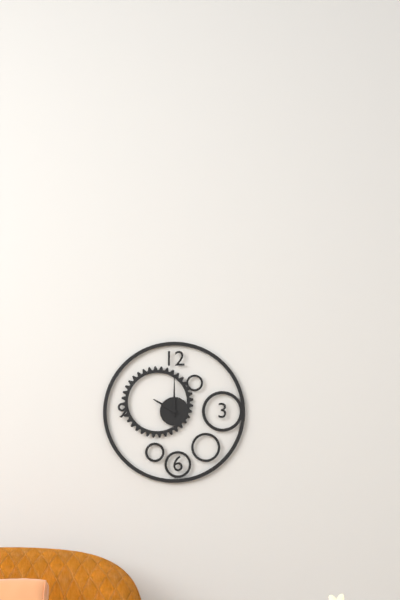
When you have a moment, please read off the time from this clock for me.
10:00
